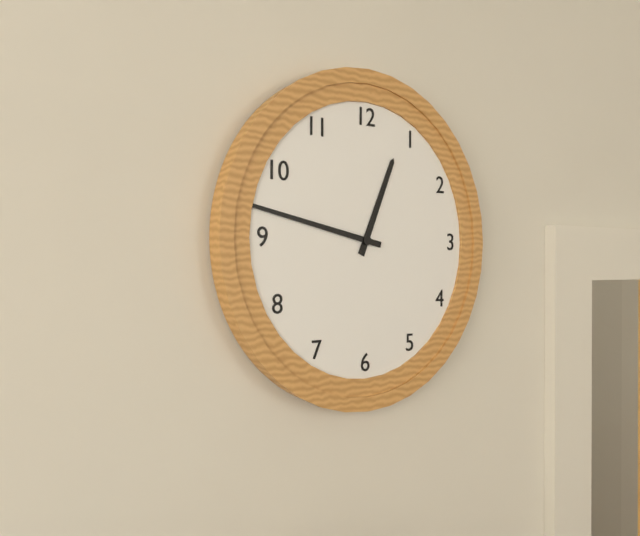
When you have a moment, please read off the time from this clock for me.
12:47
